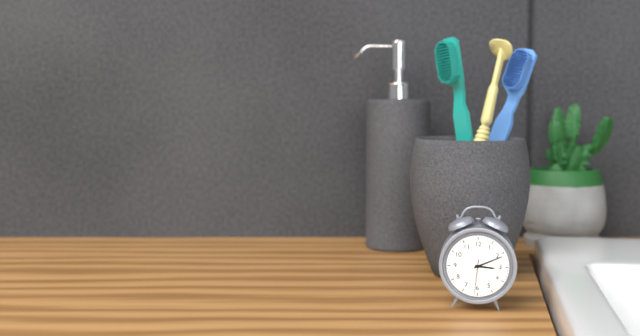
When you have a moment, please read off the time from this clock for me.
3:11
